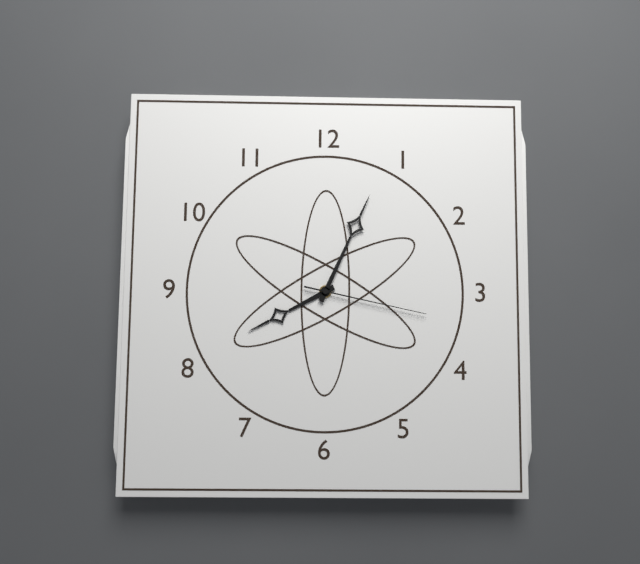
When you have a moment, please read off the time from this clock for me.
8:04:17
